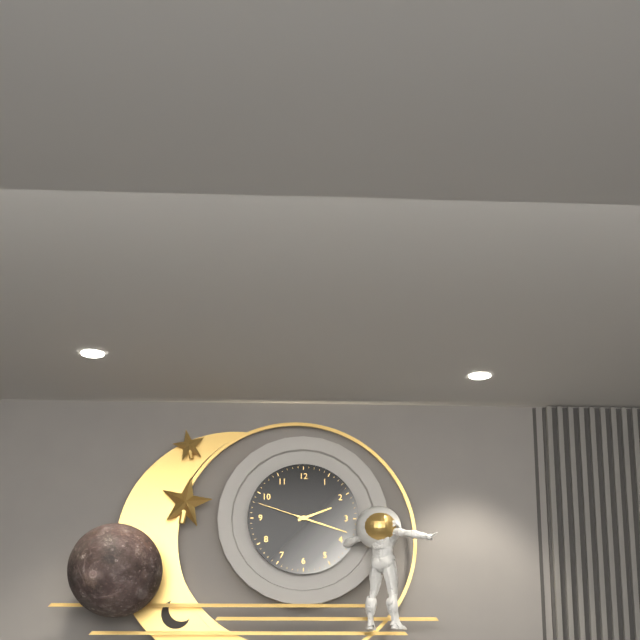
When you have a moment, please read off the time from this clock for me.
2:18:48
